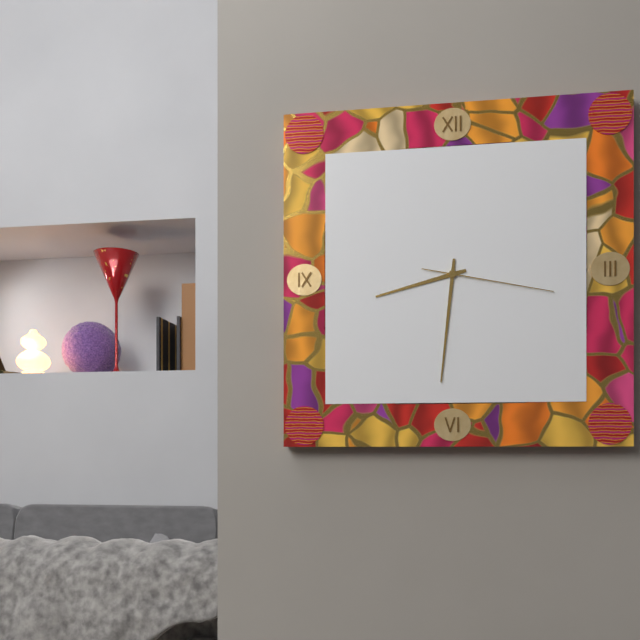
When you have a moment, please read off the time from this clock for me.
8:31:17
